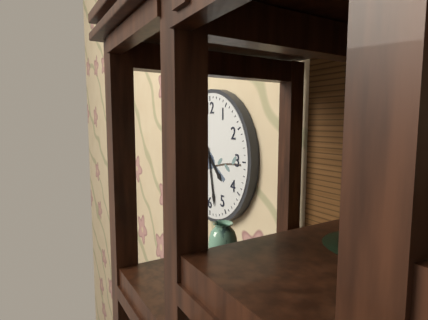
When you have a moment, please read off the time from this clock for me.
4:28
